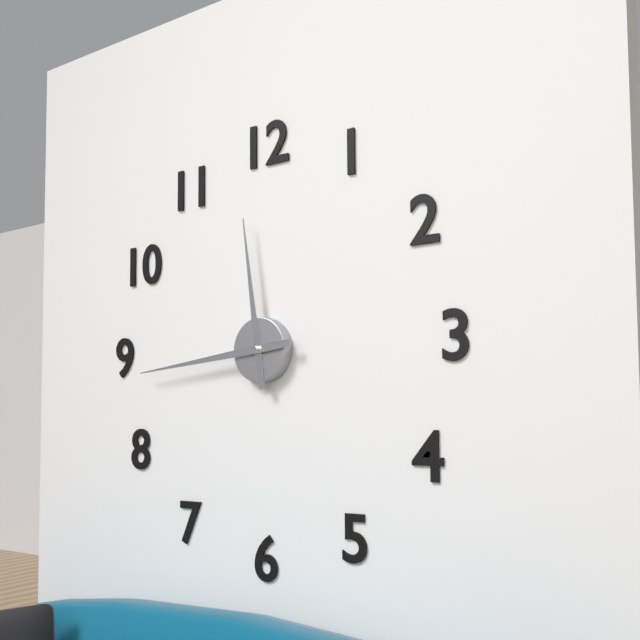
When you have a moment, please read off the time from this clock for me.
11:44
